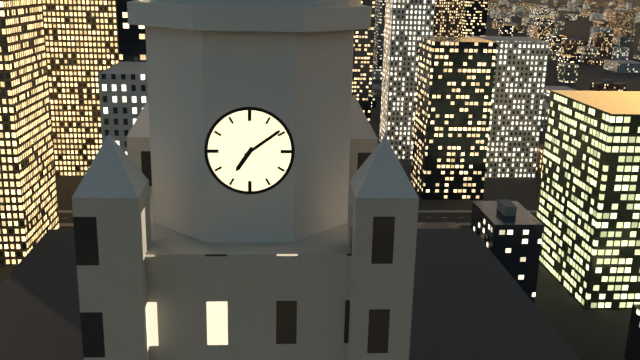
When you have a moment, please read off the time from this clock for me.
7:09
